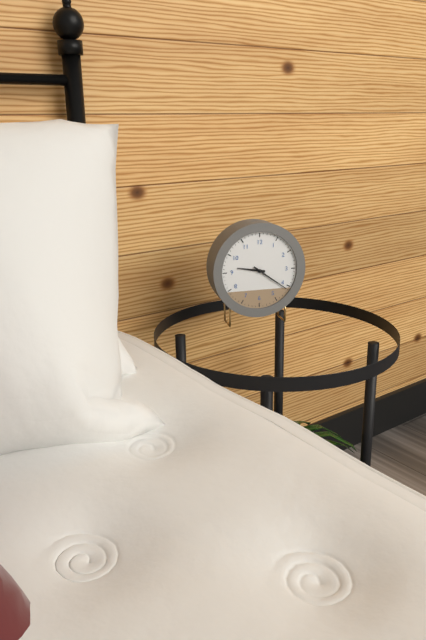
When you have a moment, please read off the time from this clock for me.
9:21
